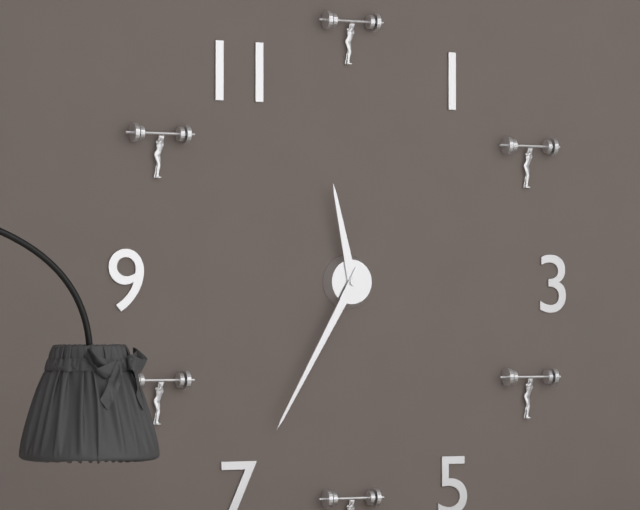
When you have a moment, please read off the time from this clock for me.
11:35
